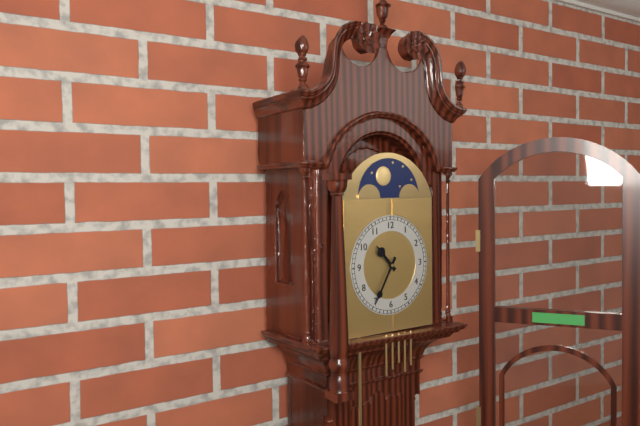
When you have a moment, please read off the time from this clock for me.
10:35
